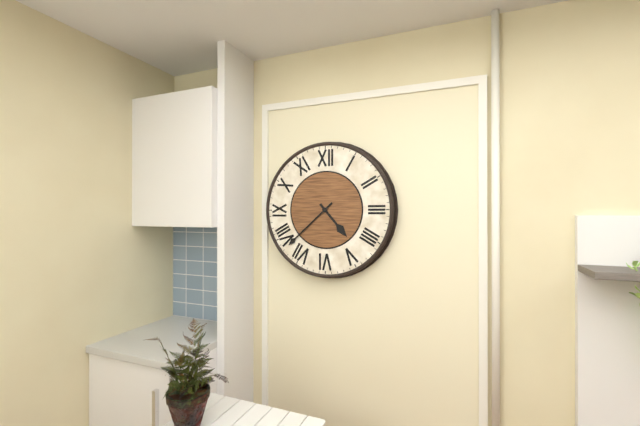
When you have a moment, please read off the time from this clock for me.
4:38
